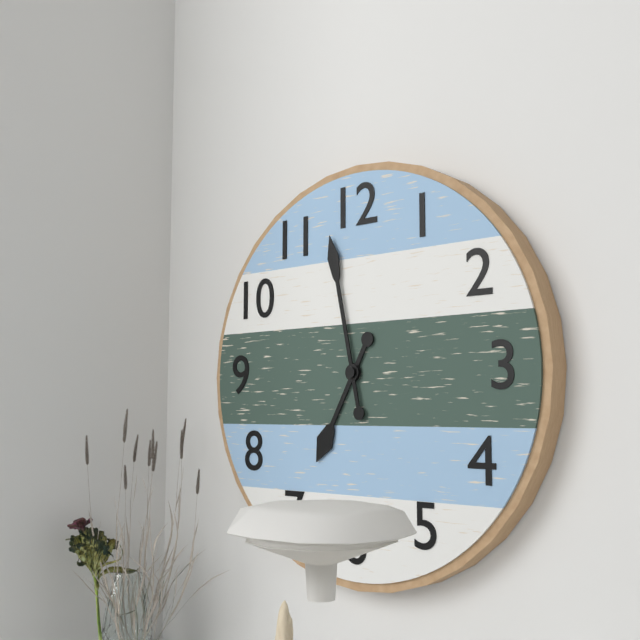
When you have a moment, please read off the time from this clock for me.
6:58
